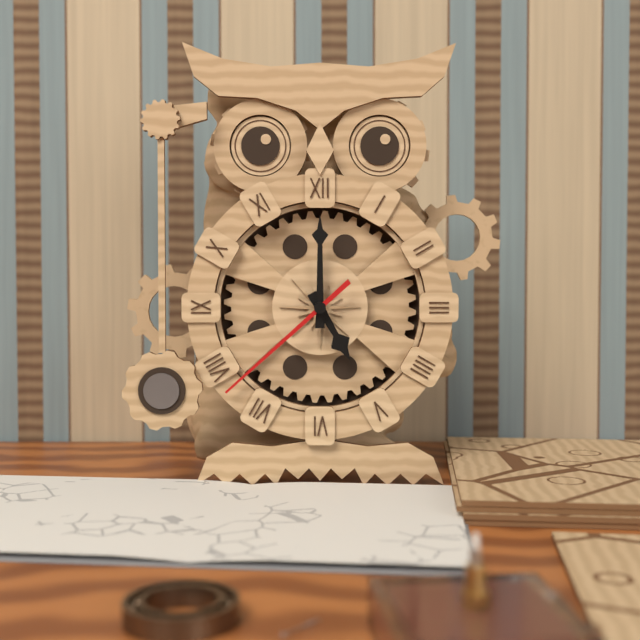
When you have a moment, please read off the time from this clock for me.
5:00:38
